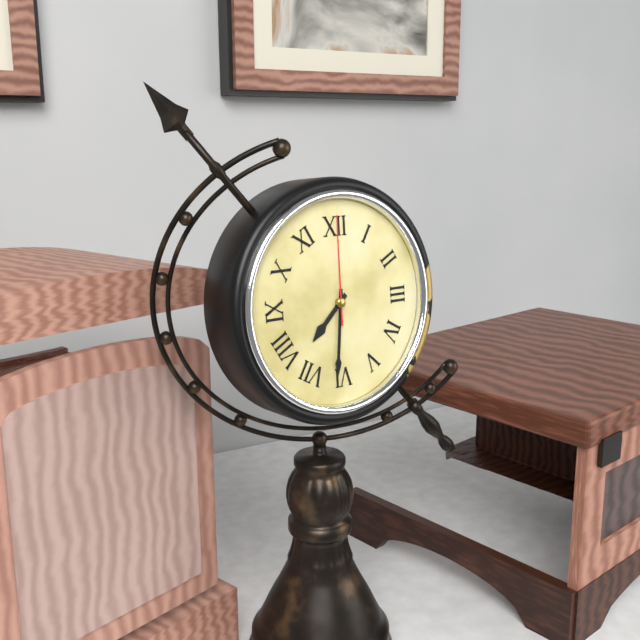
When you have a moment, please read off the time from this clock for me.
7:31:00
